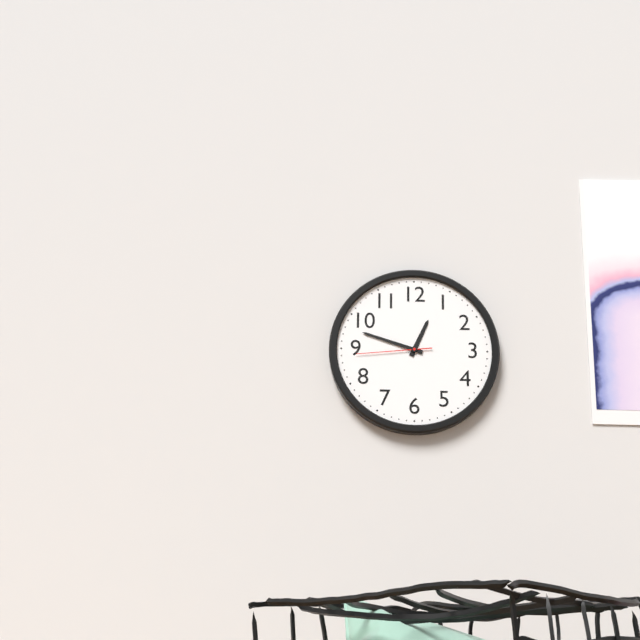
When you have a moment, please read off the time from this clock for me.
12:48:44
